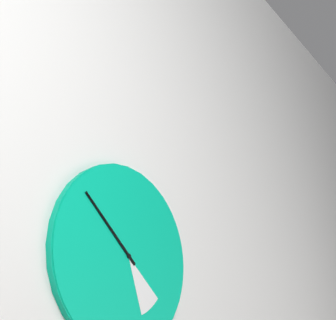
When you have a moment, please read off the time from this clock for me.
4:52
